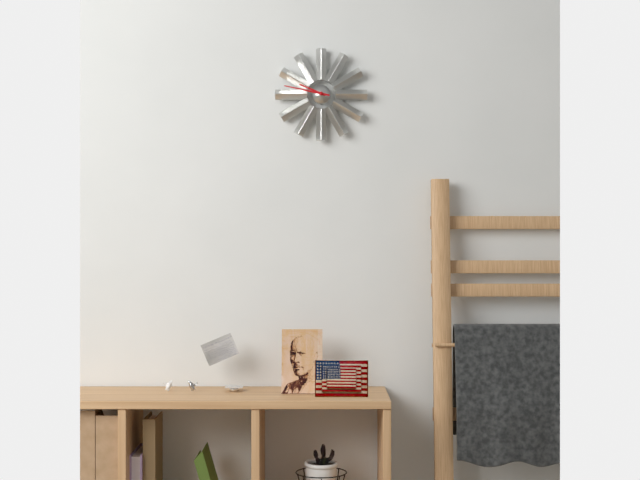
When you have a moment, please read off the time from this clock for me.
9:47
